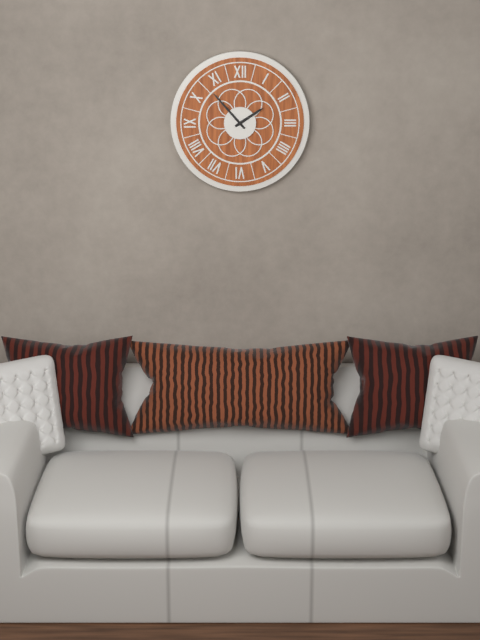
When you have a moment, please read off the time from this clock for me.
1:53
